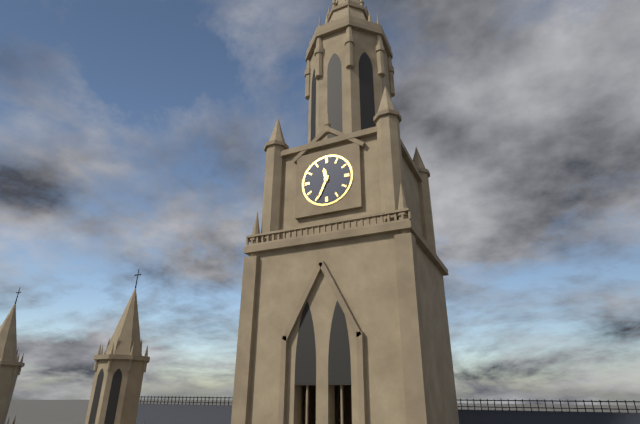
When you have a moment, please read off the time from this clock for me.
11:34
